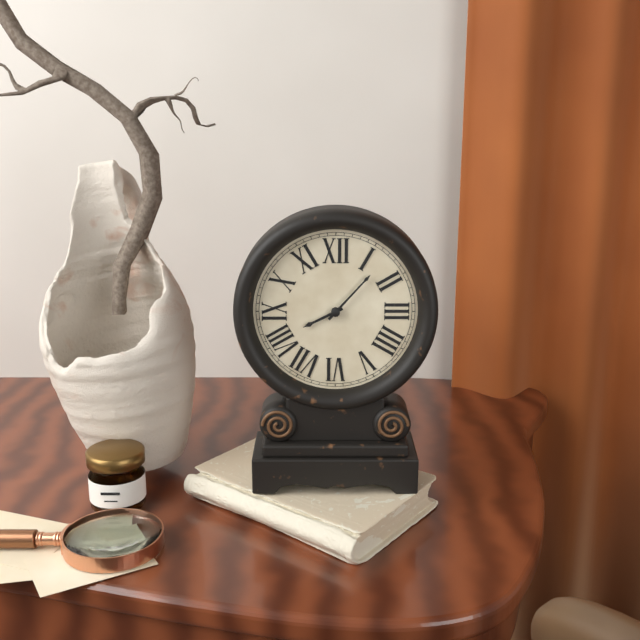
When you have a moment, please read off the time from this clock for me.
8:07
